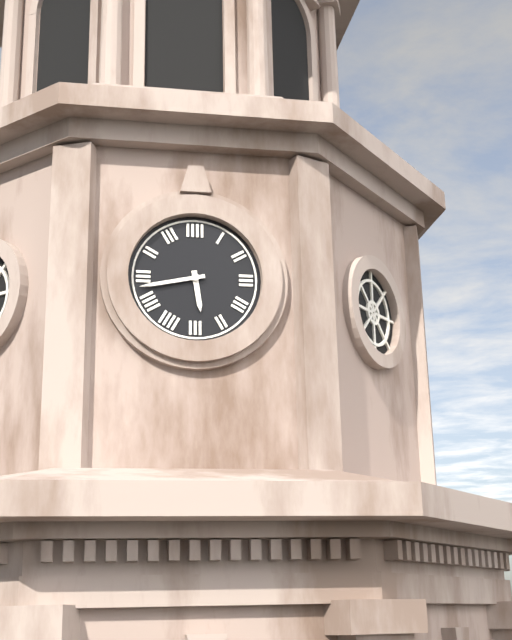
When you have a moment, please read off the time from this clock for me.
5:43
